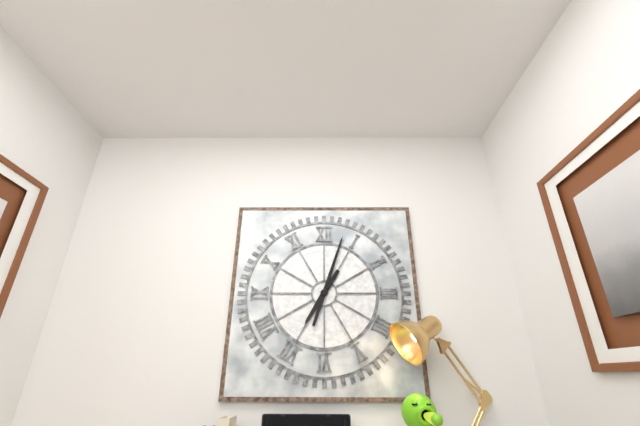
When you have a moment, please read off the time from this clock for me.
7:03
